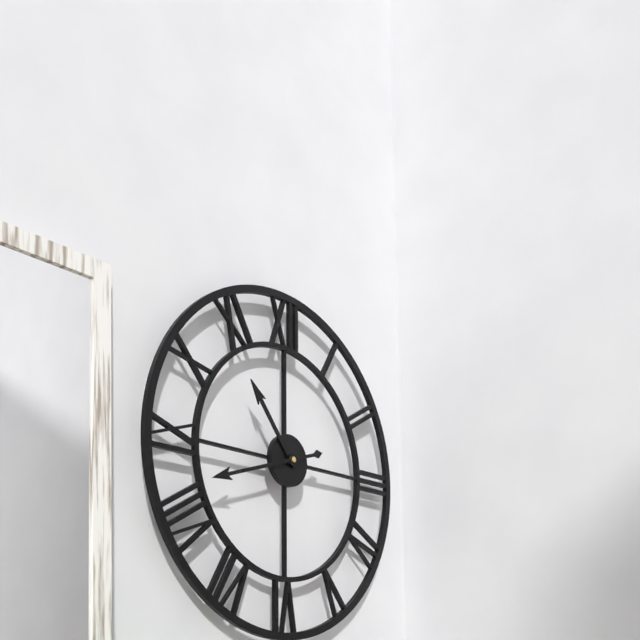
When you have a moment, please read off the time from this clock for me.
10:42
